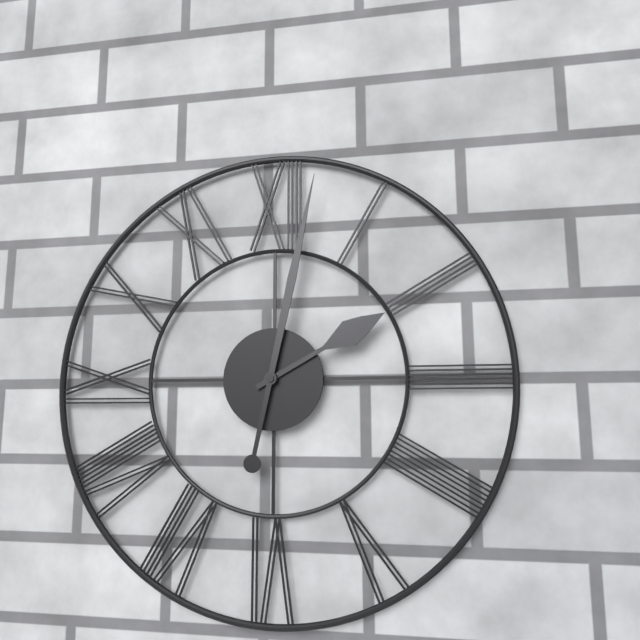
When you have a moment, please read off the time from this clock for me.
2:02
